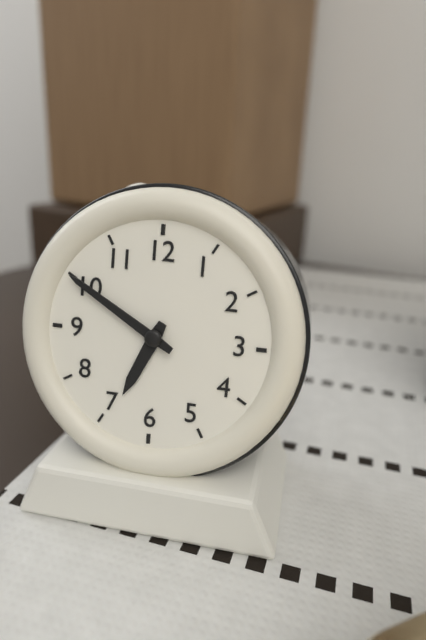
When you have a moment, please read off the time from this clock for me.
6:50
